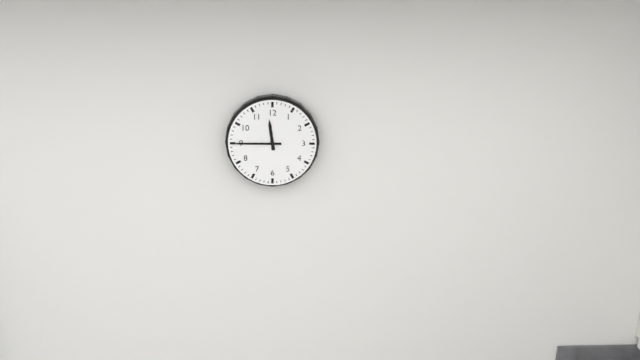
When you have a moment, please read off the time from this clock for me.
11:45
